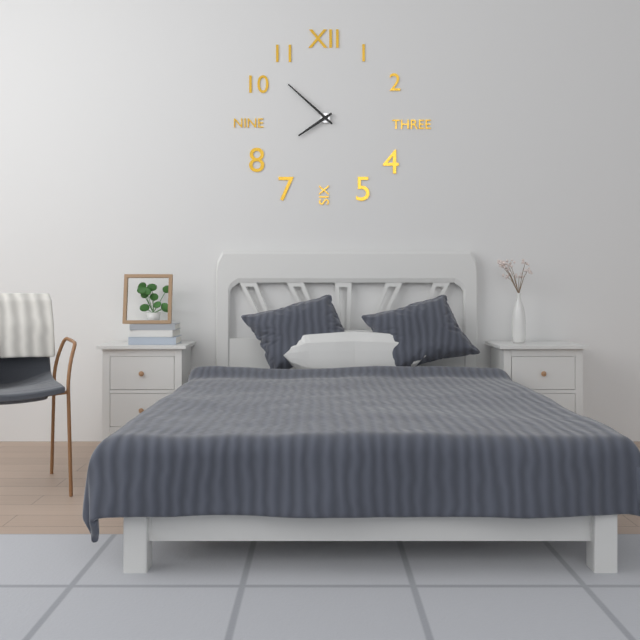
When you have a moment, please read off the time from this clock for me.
7:52
